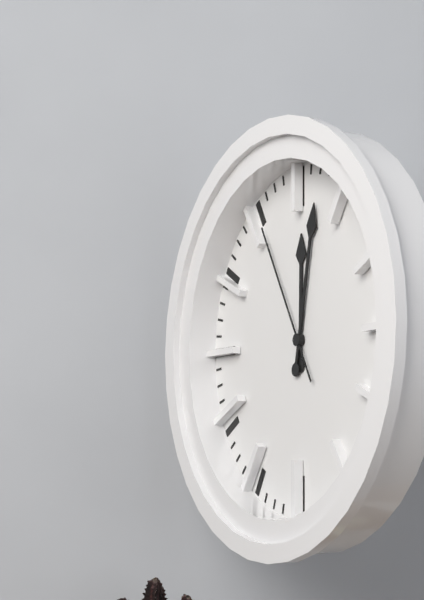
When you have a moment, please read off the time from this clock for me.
12:02:55
